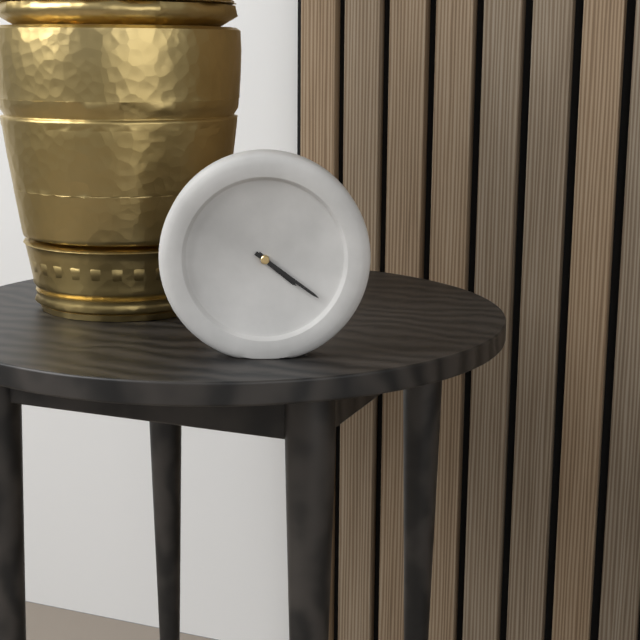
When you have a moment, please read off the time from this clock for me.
4:21
